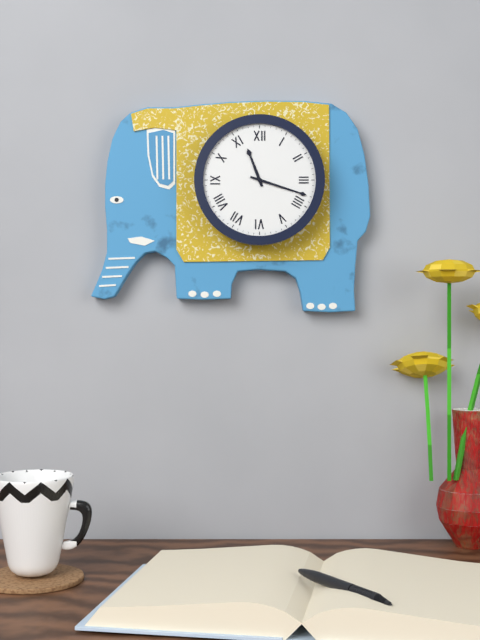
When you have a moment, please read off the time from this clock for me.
11:18
